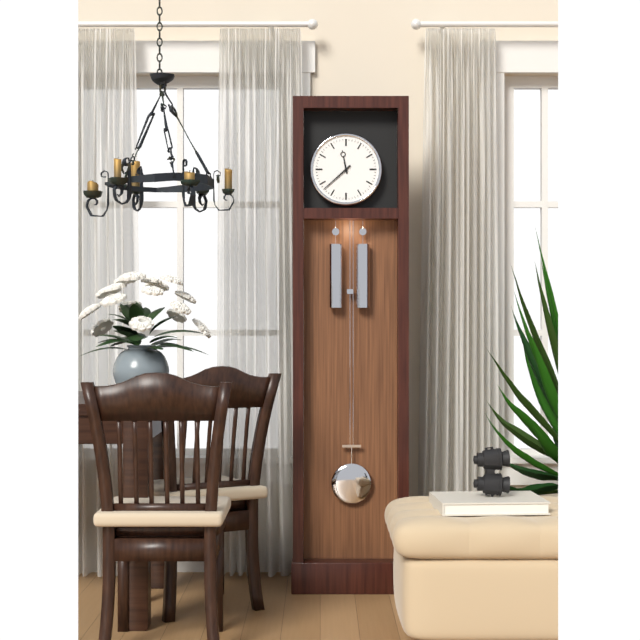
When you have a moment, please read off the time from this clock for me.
11:38
